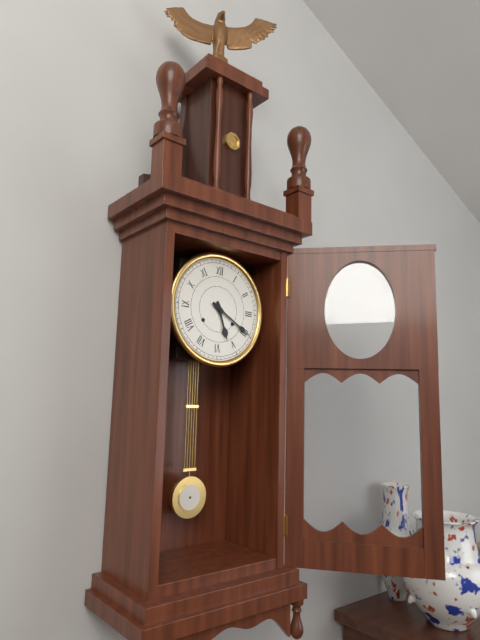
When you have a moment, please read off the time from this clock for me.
5:20
